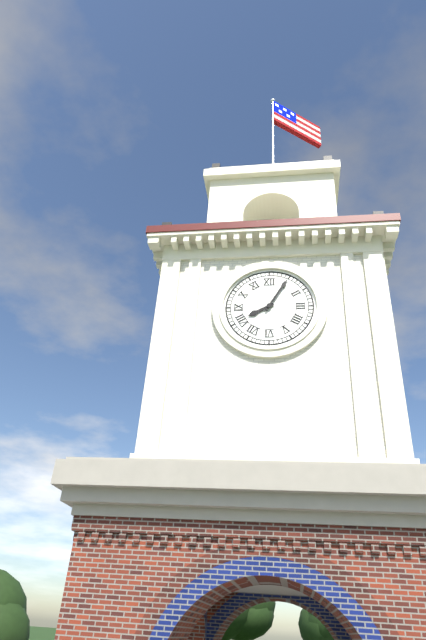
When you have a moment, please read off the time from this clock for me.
8:05
